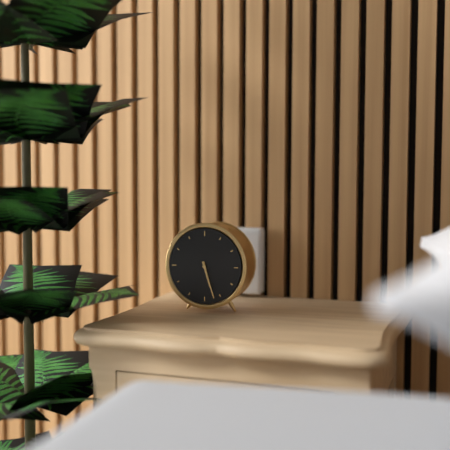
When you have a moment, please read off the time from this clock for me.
5:27
